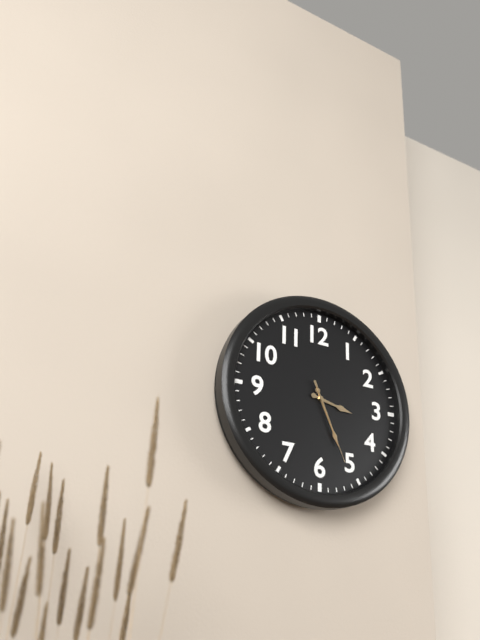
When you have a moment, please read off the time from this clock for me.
3:26:26
